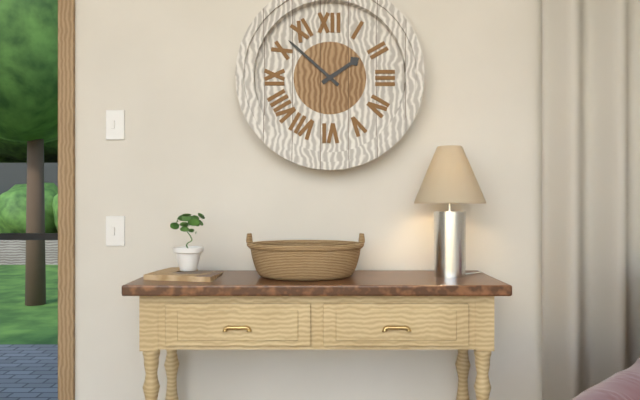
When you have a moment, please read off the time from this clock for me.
1:52
